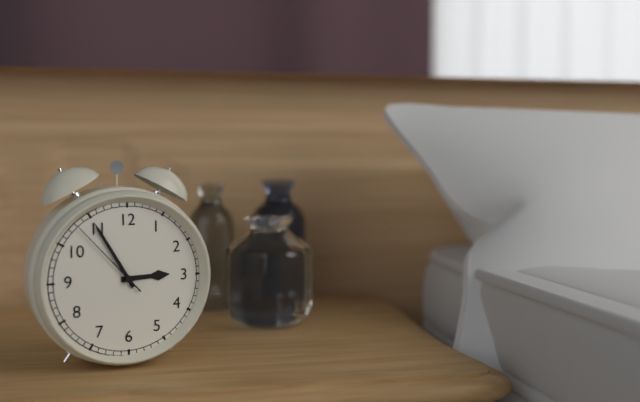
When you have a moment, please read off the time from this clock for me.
2:55:53
